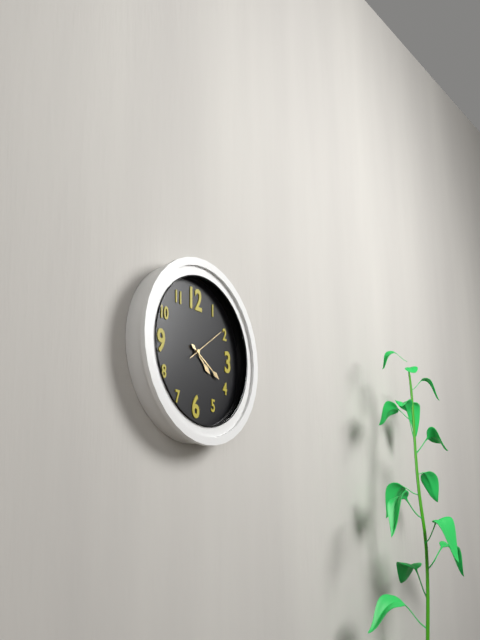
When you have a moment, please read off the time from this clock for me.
4:20
